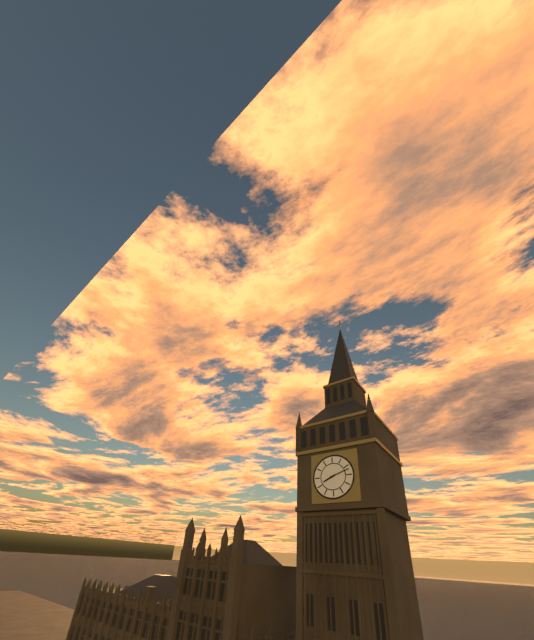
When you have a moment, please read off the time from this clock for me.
8:12
